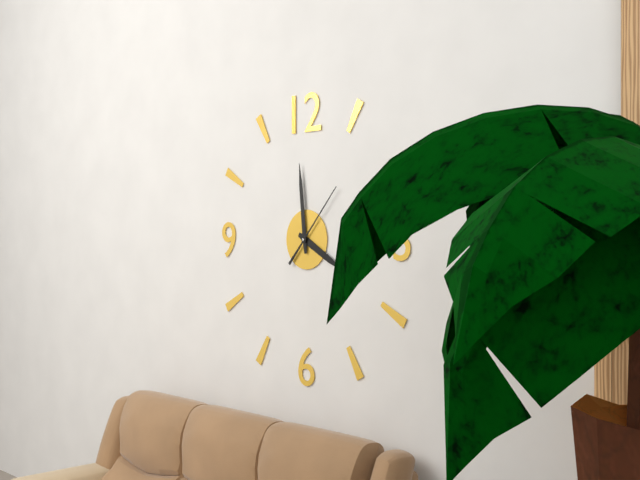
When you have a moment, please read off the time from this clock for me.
3:59:07
